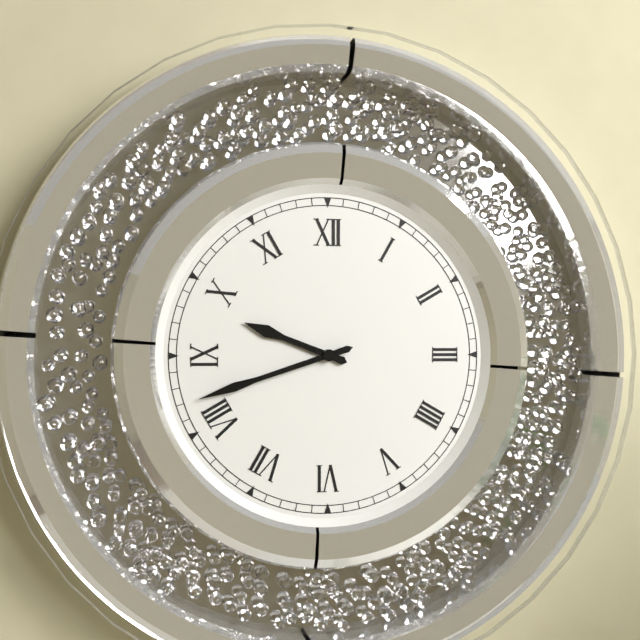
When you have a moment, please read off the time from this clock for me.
9:42
